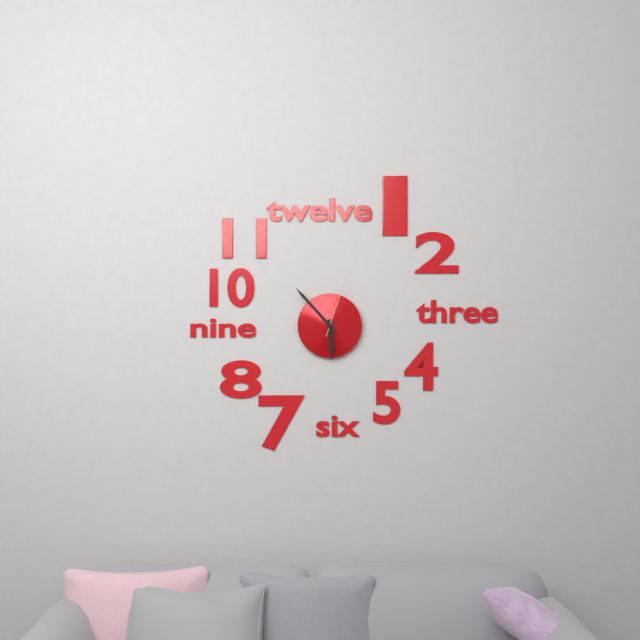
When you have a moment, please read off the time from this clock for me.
5:53:03
